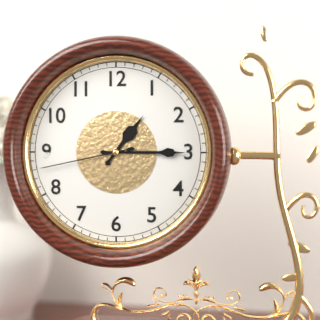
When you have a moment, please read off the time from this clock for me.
1:15:43
